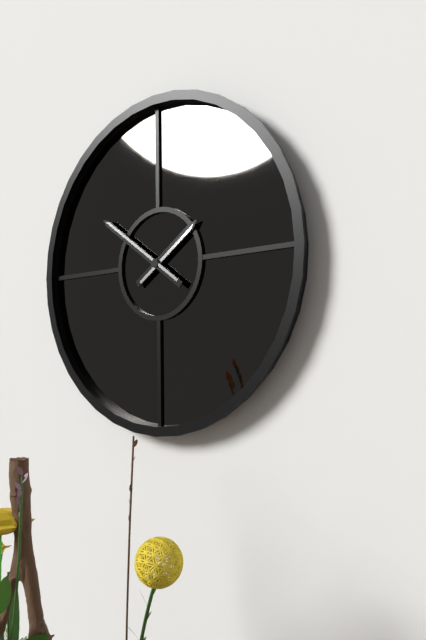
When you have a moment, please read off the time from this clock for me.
1:51
